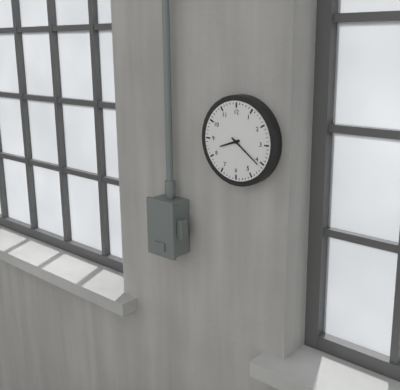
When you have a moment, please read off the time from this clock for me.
8:21
